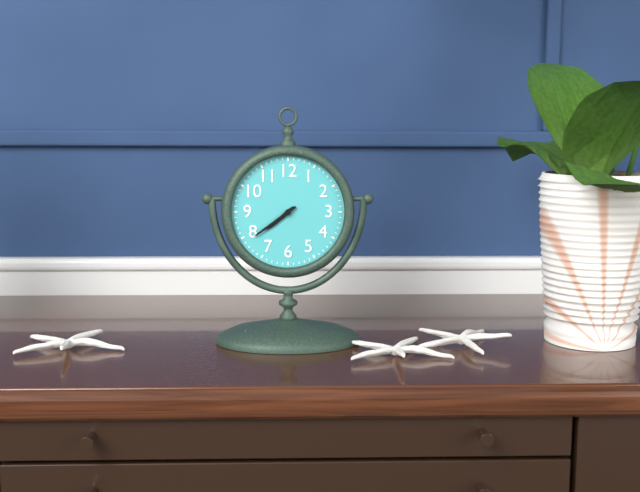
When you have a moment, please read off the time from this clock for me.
7:39
